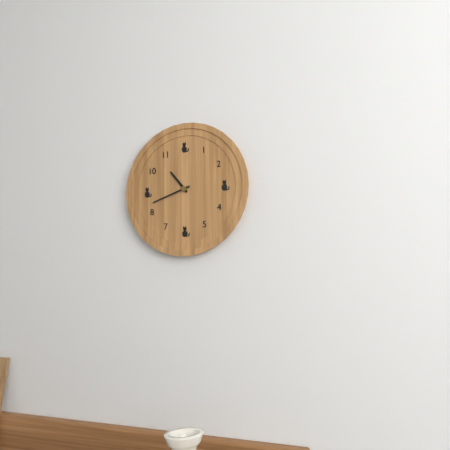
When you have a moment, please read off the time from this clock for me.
10:42
